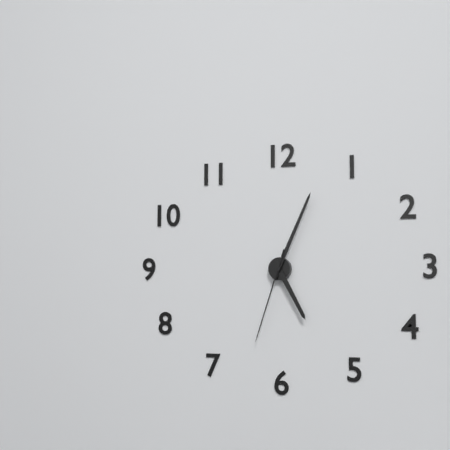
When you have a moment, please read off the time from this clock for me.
5:04:33
